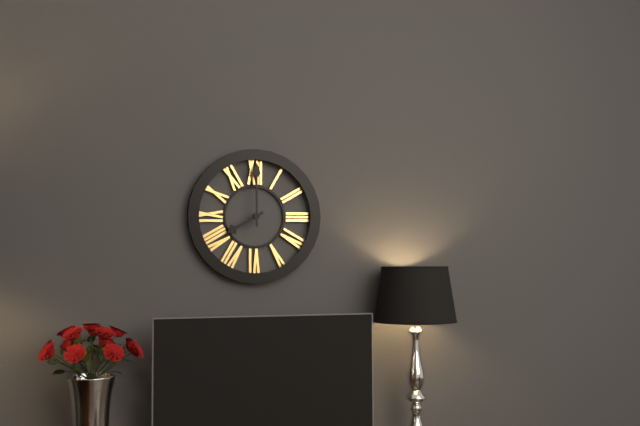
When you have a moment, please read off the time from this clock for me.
8:00
